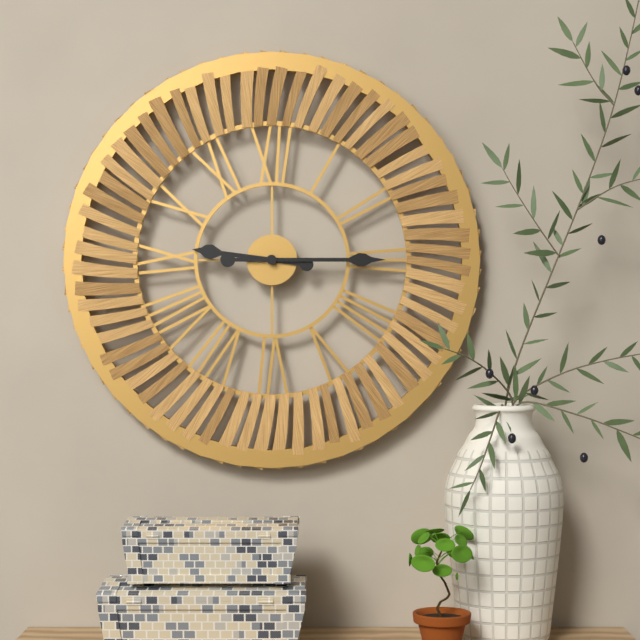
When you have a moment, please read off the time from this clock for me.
9:15
